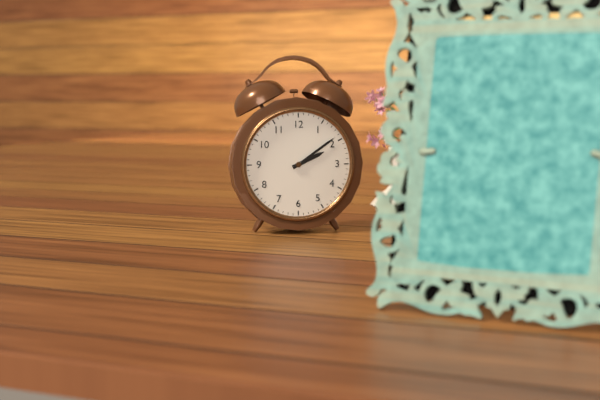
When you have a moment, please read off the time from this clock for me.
2:09
